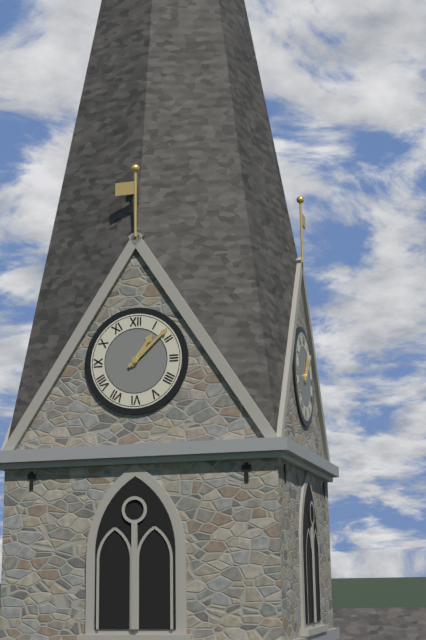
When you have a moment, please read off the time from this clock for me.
1:08
